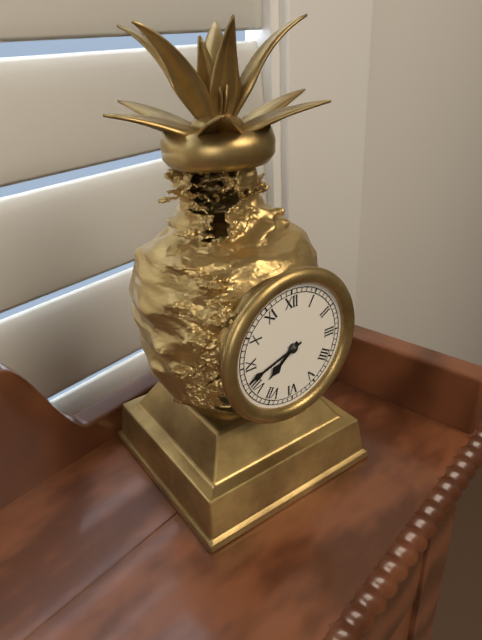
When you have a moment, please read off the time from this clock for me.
7:42
